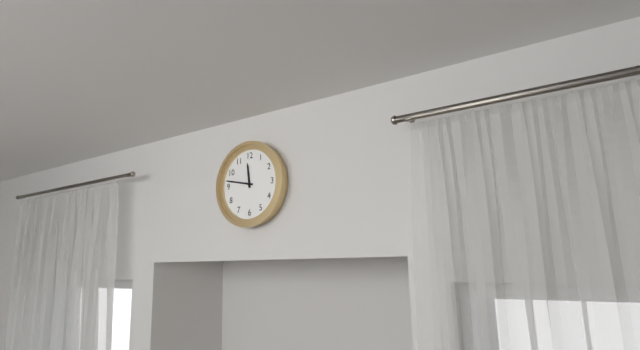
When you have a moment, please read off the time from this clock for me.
11:47
